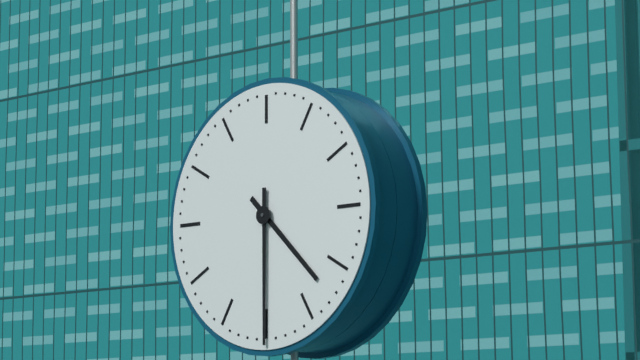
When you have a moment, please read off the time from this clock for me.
4:30
